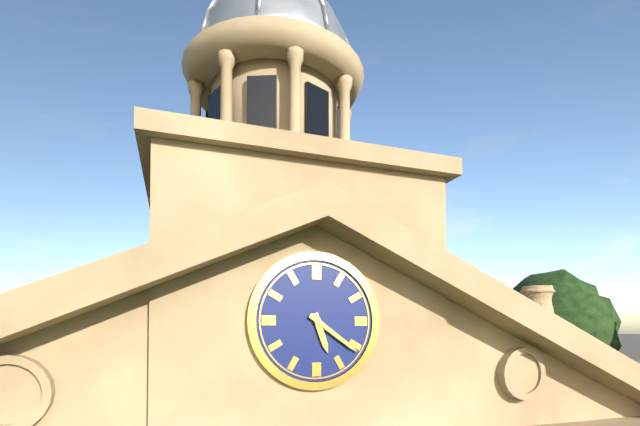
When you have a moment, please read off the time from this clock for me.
5:21
